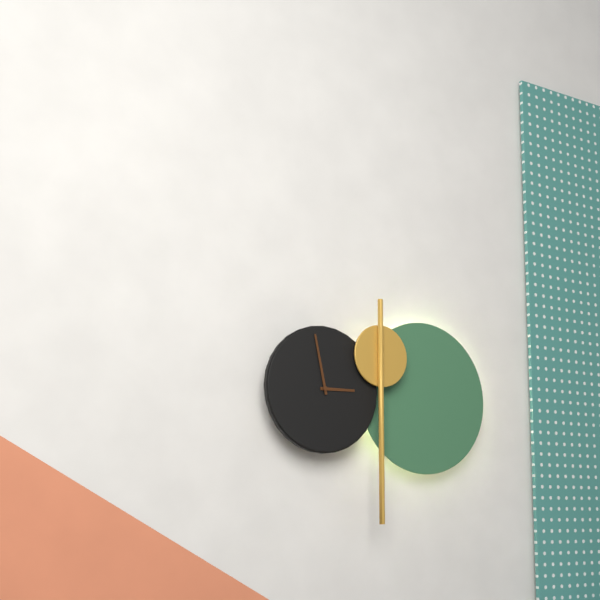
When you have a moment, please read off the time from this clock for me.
2:58
